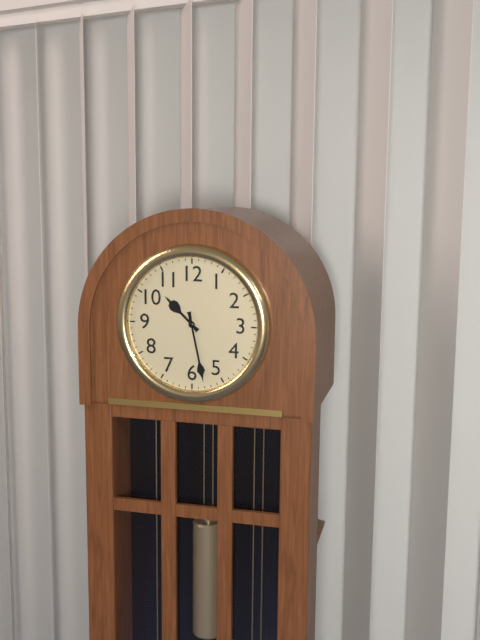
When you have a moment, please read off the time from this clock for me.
10:28
